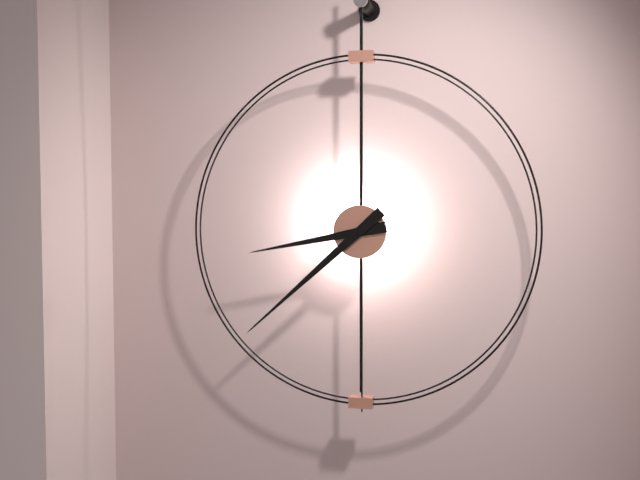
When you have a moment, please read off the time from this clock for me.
8:38
